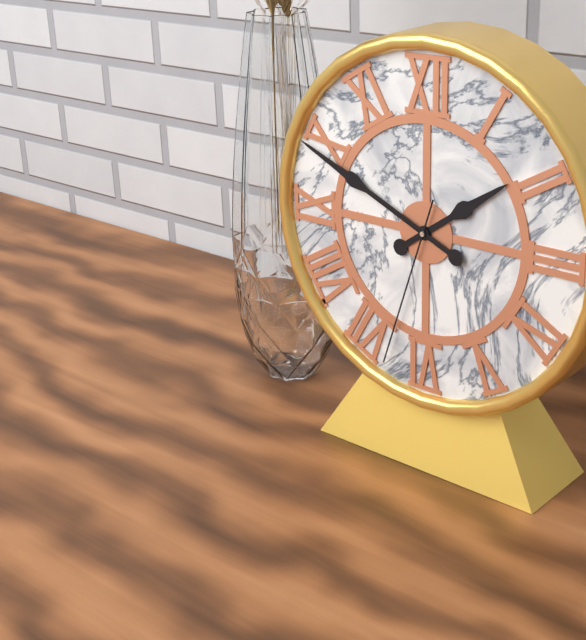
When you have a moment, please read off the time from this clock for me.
1:49:33
